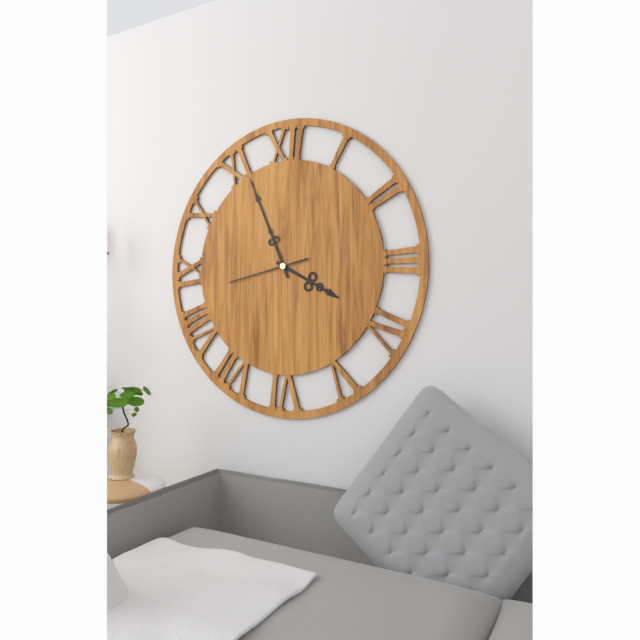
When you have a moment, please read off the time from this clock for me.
3:56:43
